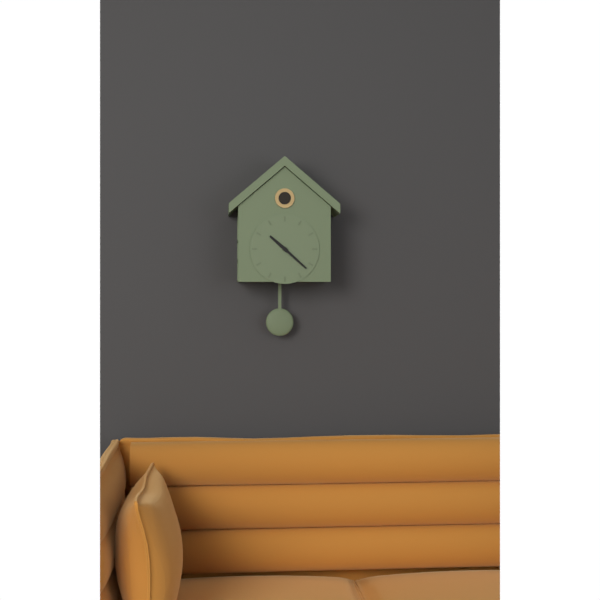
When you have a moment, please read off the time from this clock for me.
10:22
